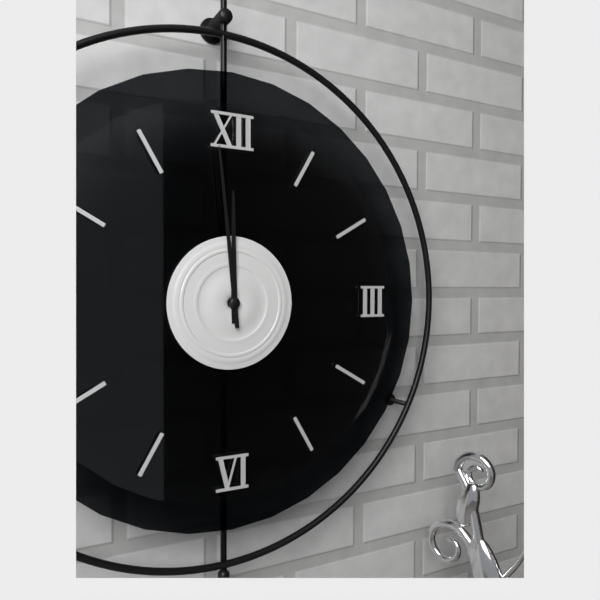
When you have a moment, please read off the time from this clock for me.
11:59
